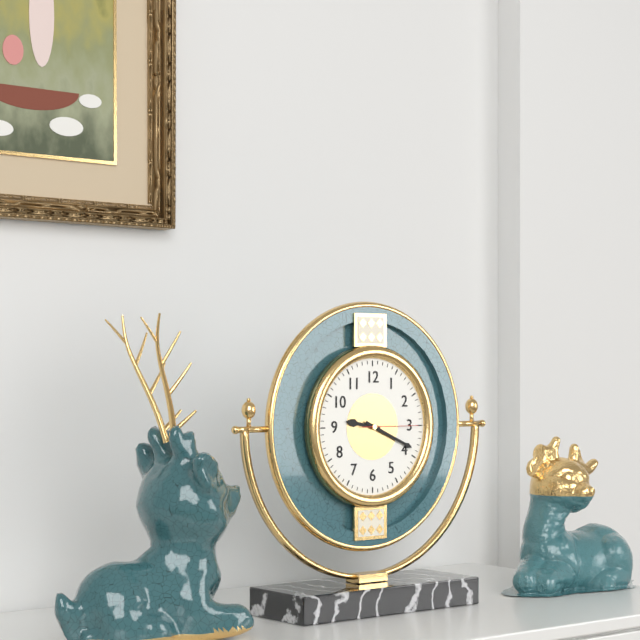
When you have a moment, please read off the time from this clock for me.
9:19:15
